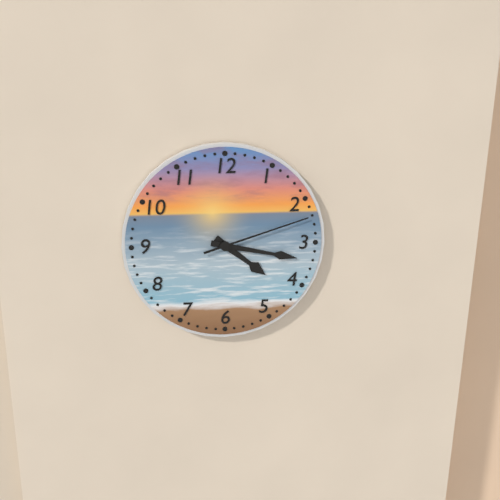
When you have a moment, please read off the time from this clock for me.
4:17:12
